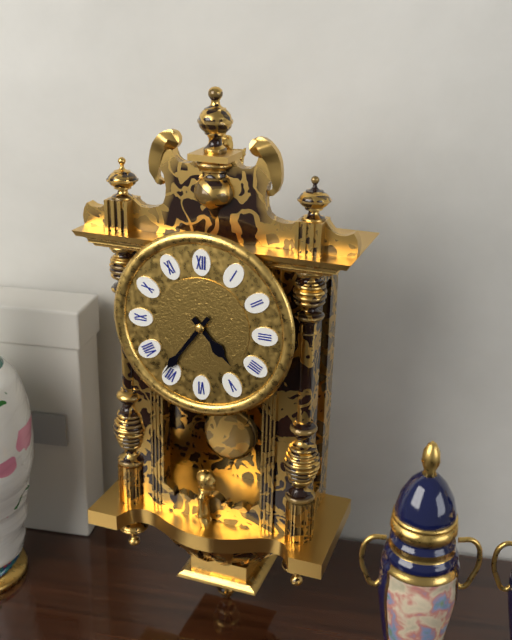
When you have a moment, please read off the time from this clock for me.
4:36
